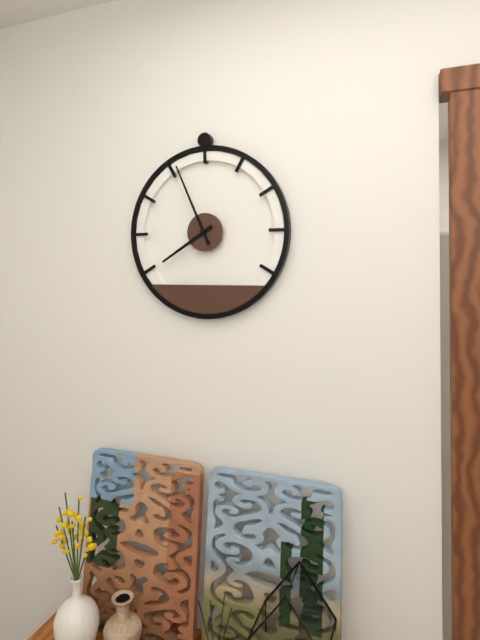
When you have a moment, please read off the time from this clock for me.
7:56
